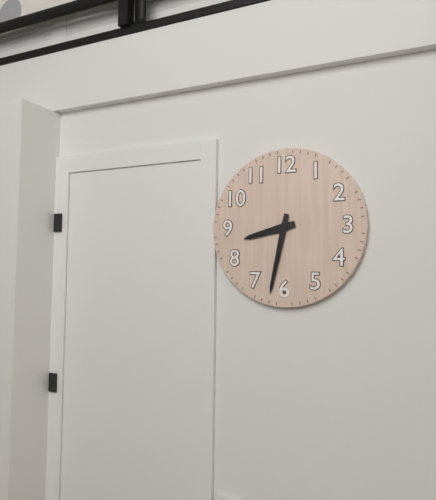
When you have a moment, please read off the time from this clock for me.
8:32
